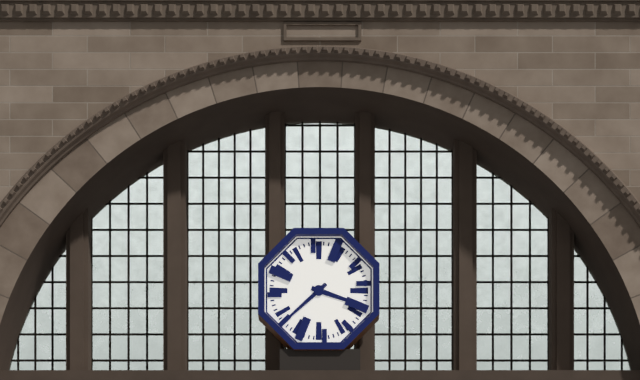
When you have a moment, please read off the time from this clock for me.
3:38
